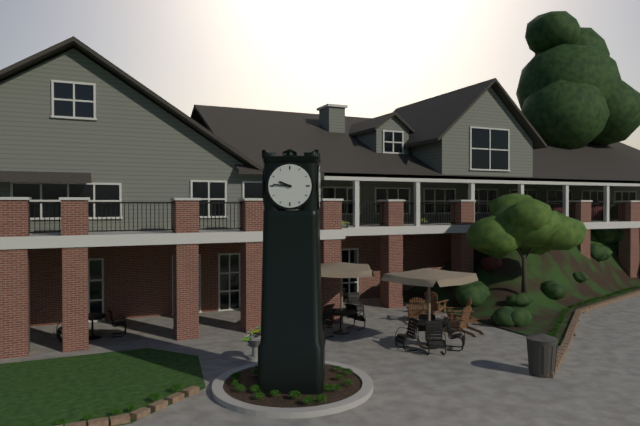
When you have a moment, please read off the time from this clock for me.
9:46
